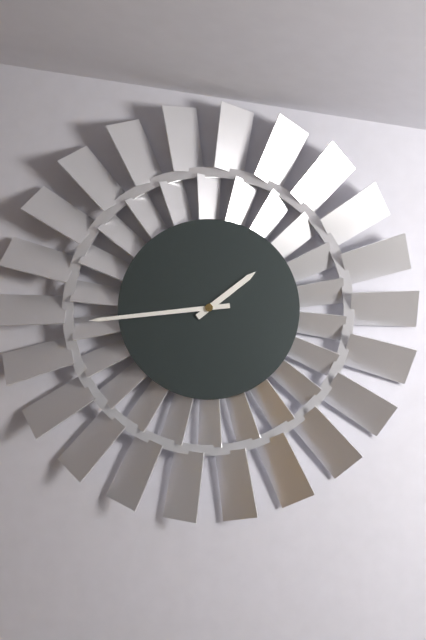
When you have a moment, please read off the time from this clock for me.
1:44
